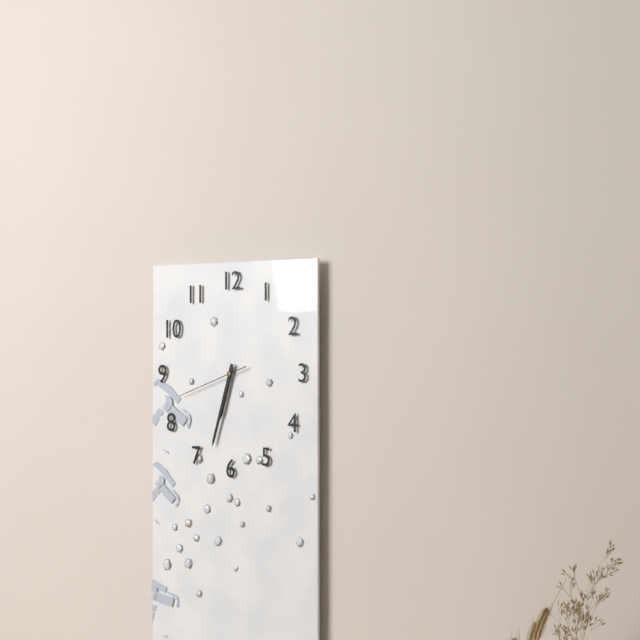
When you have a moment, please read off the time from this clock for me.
6:33:42
